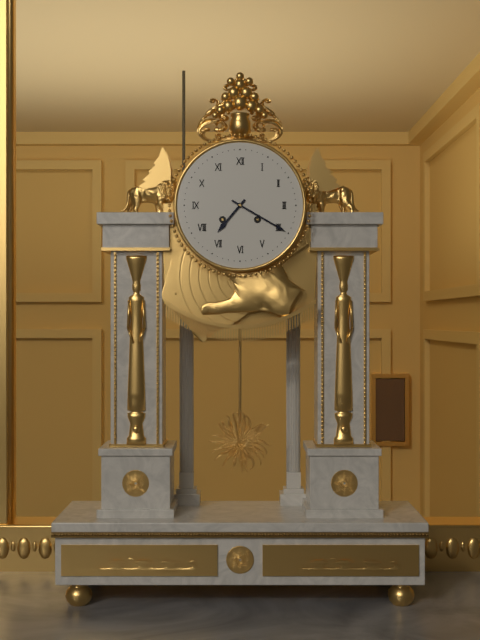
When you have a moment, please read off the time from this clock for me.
7:20
